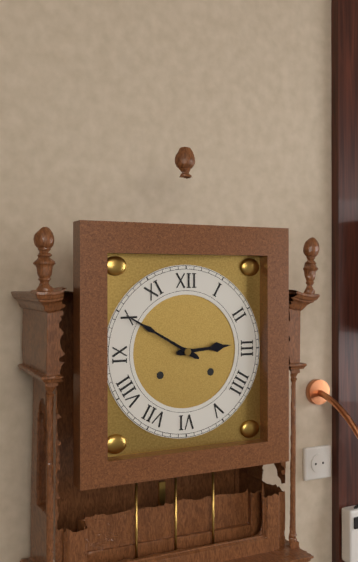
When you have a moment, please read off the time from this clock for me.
2:50
